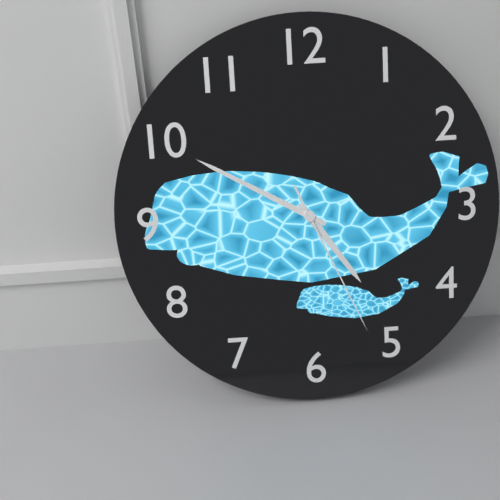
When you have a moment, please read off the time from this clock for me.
4:50:26
